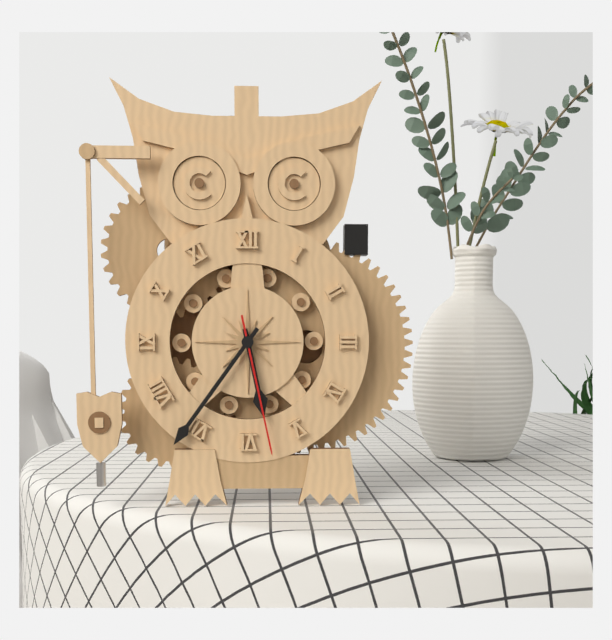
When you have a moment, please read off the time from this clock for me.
5:36:28
